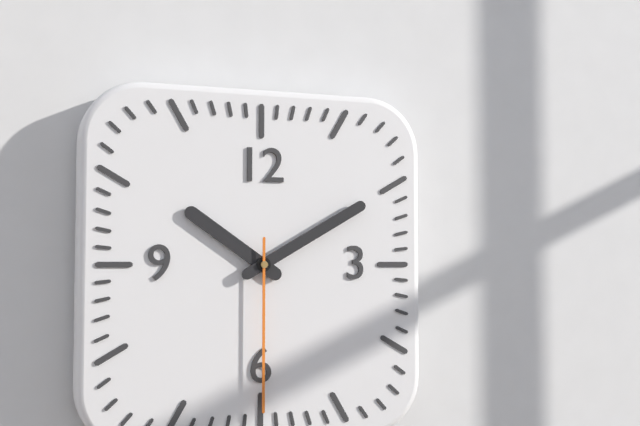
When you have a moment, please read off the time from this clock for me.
10:10:30
